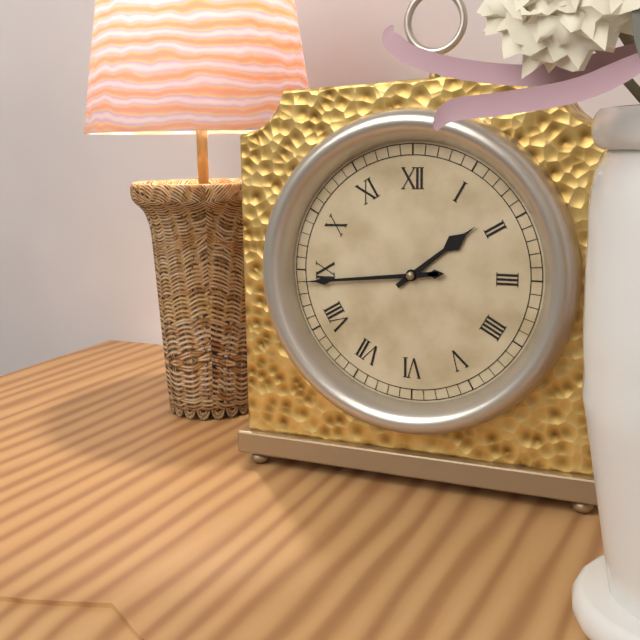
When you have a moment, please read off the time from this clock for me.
1:44
